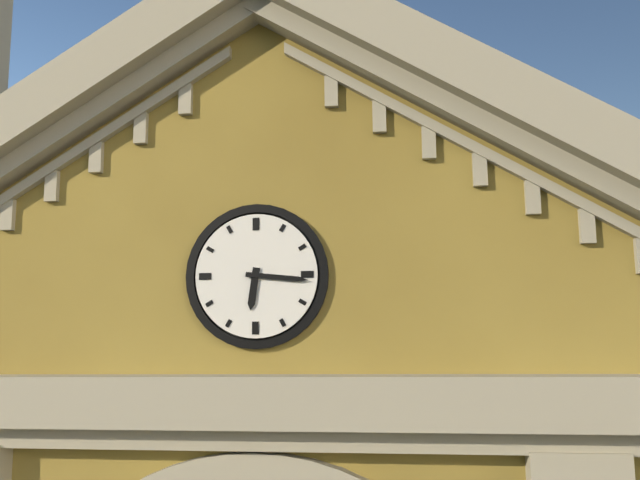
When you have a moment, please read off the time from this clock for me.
6:16
